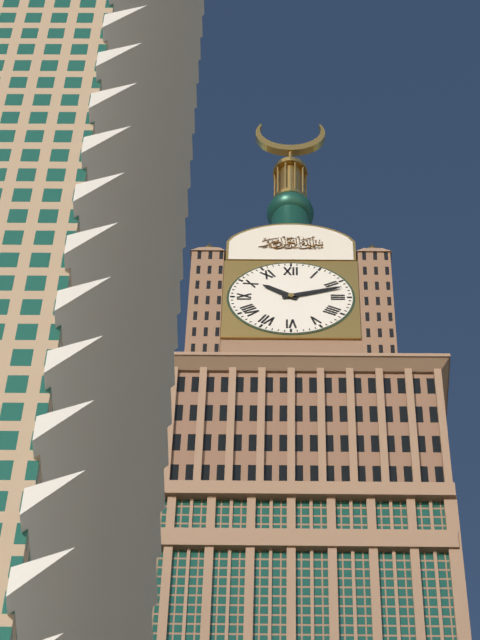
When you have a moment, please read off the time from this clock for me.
10:12
